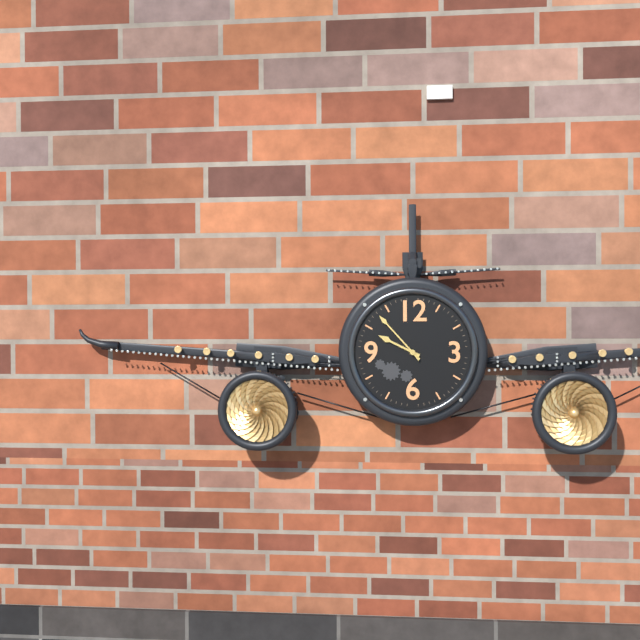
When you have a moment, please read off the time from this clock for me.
9:53
